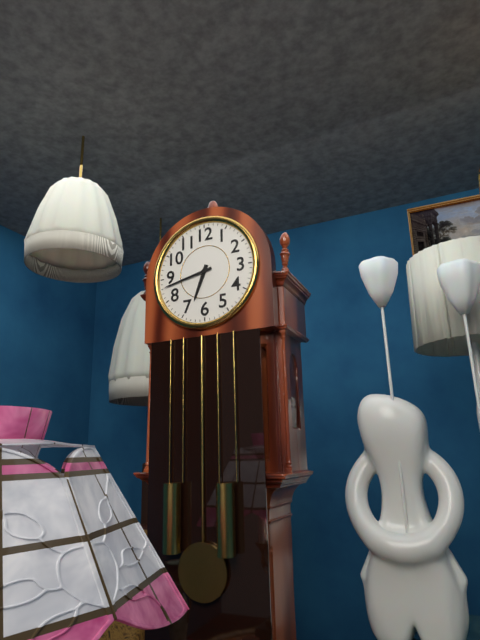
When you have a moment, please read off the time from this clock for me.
6:43
